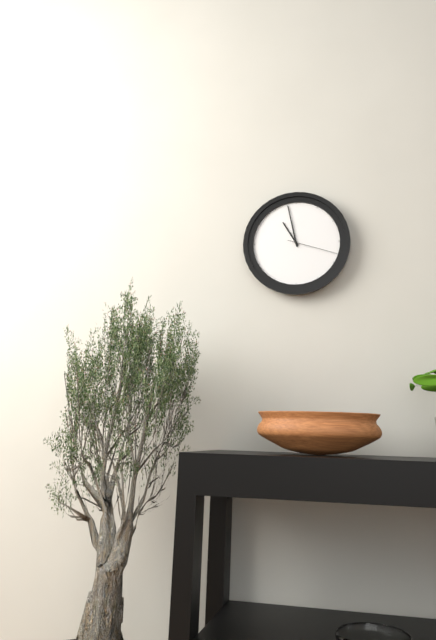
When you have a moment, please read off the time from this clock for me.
10:58:18
